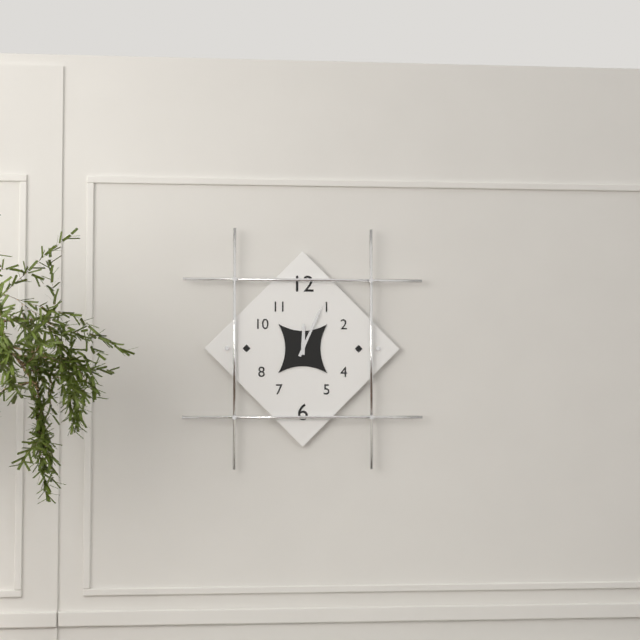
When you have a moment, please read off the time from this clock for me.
12:04
